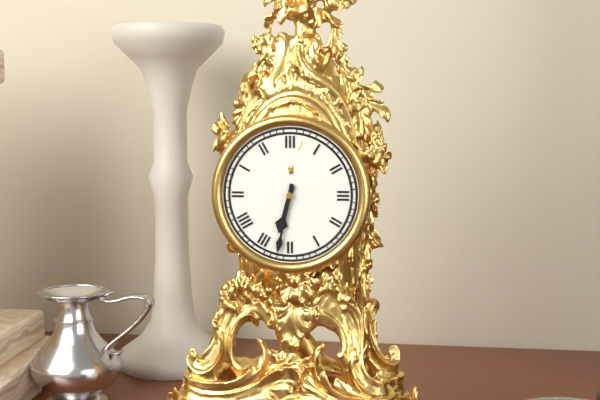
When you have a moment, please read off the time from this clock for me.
6:32
